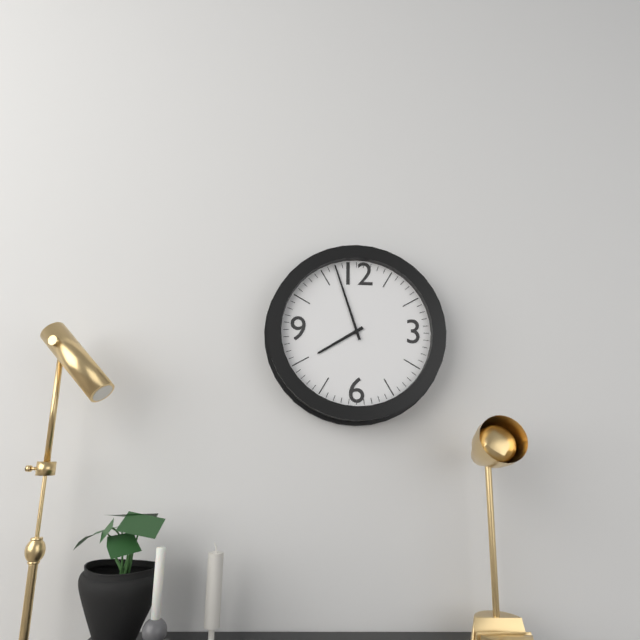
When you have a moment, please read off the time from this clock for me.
7:57
